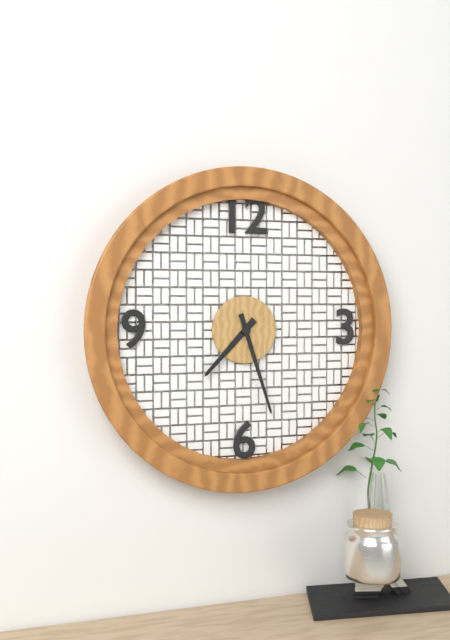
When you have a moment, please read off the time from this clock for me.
7:27
